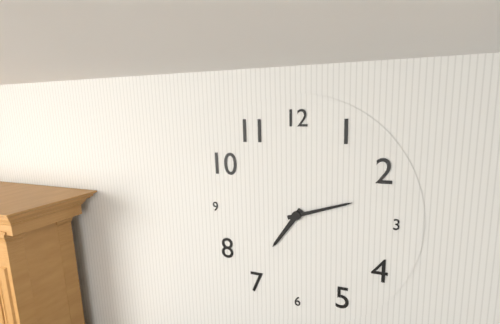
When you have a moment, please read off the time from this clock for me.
7:12
